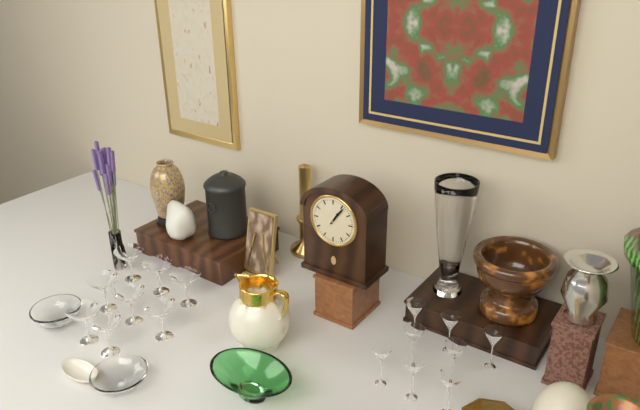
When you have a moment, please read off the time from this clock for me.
1:06
